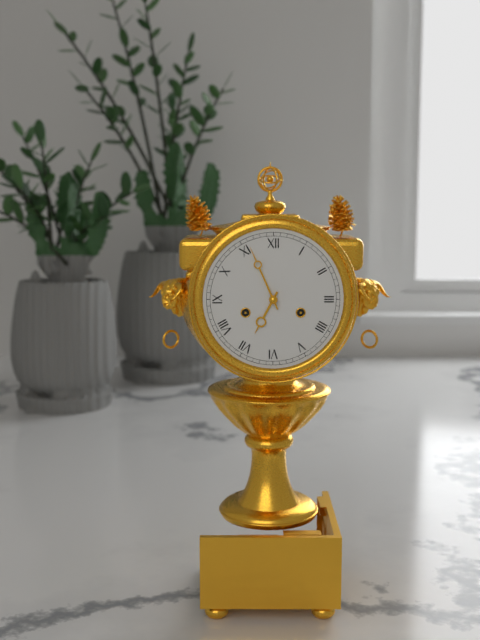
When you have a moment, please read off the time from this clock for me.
6:56
